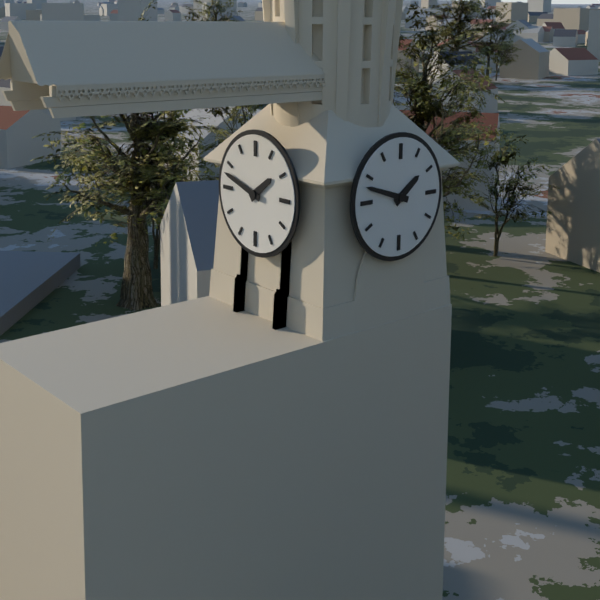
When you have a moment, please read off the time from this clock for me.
1:48
